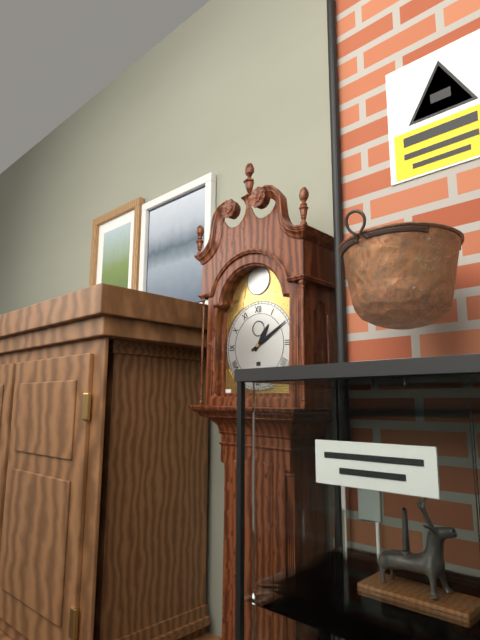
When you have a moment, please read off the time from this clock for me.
1:10
